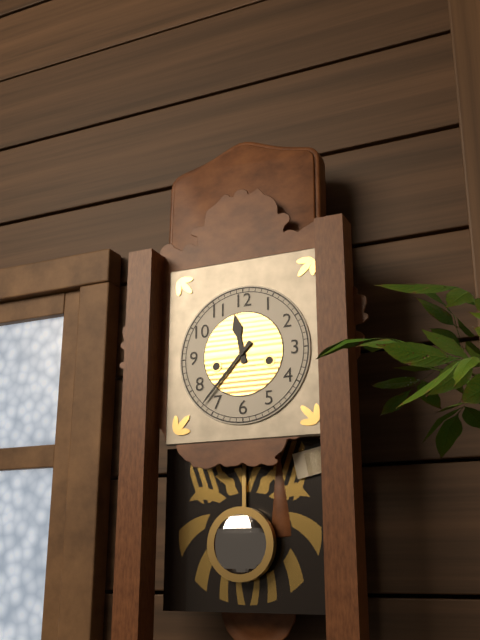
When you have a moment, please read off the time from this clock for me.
11:37
